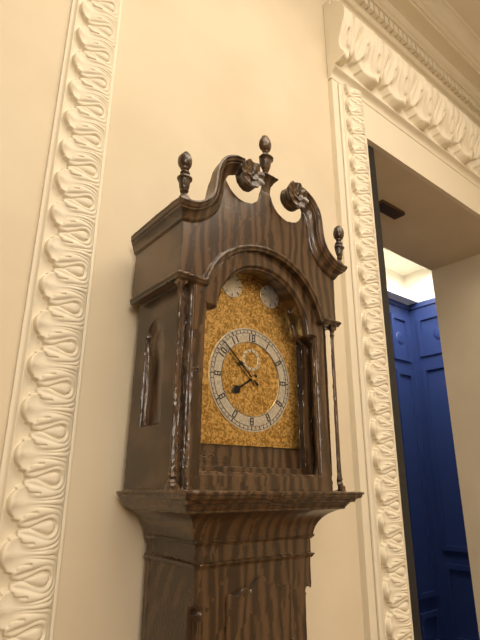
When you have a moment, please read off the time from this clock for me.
7:52
